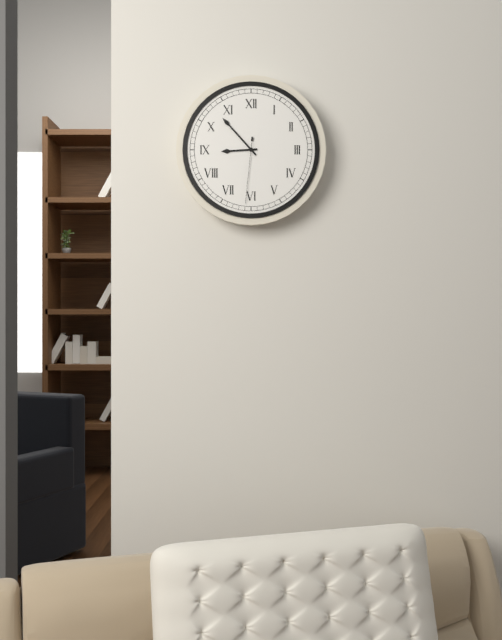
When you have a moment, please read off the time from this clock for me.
8:53:31
